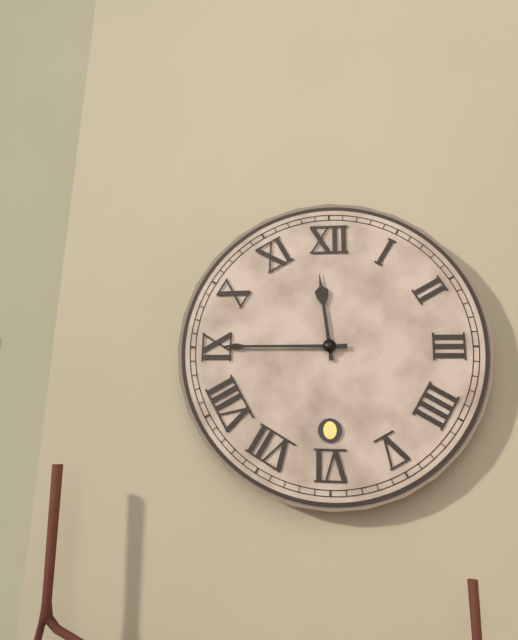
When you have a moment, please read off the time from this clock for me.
11:45
